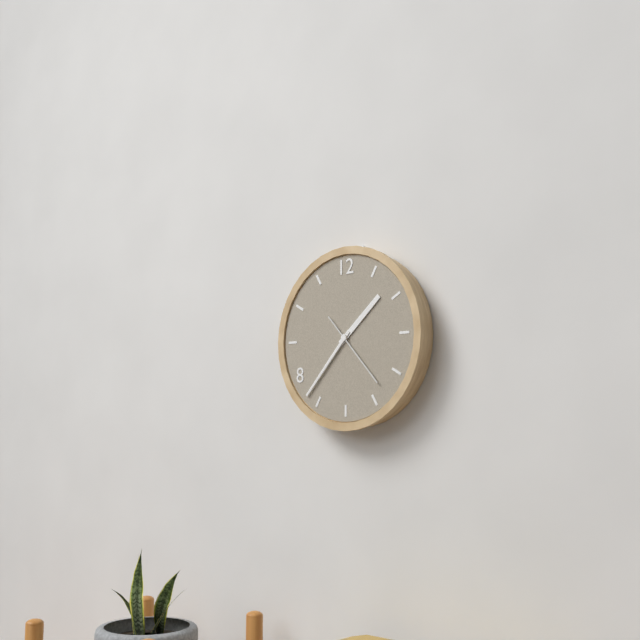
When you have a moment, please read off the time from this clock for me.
1:37:23
